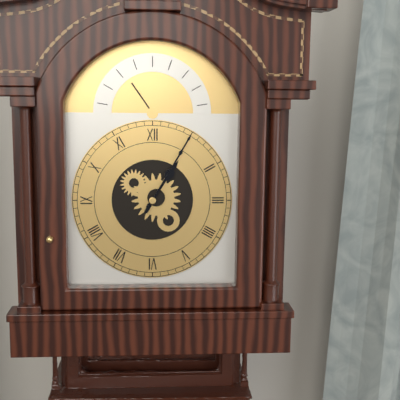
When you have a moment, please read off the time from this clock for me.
1:05
